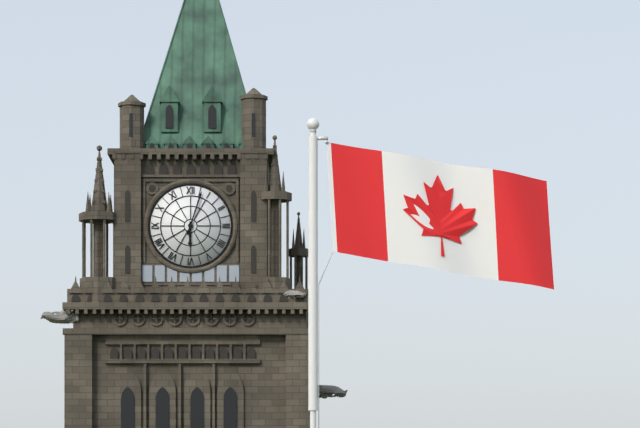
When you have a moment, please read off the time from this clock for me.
6:03
